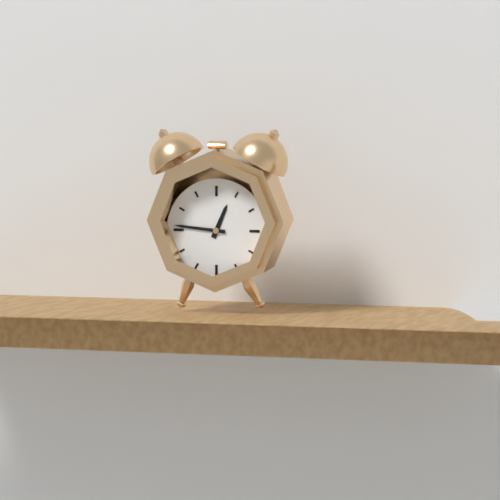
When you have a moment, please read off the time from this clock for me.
12:46
